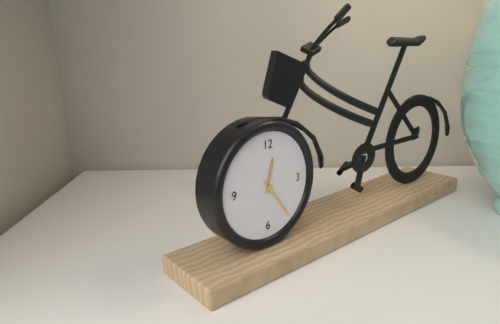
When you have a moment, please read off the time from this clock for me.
12:24
